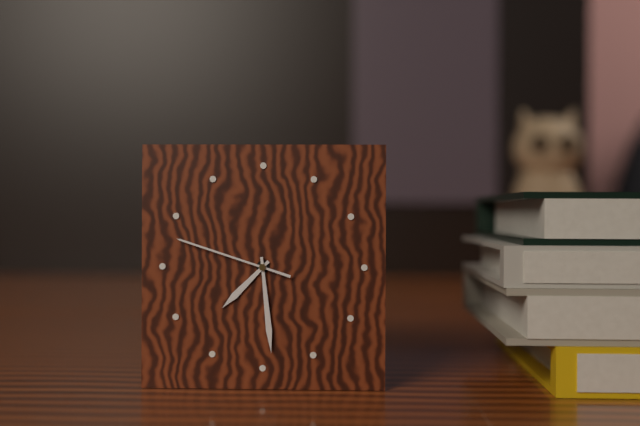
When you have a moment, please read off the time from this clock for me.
7:29:48
